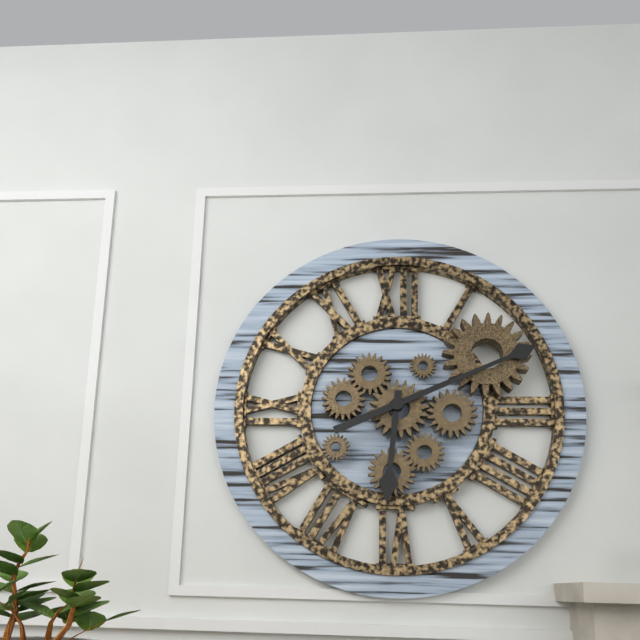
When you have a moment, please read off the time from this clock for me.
6:11
